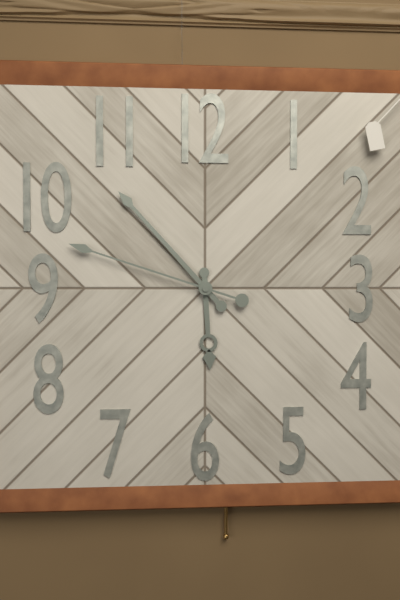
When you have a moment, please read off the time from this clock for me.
5:53:48
